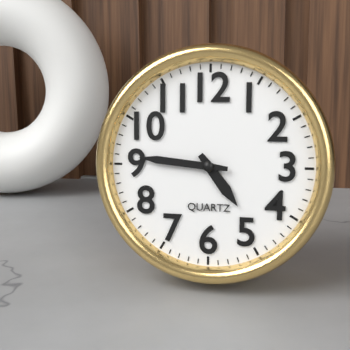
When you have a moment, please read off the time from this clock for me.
4:46
